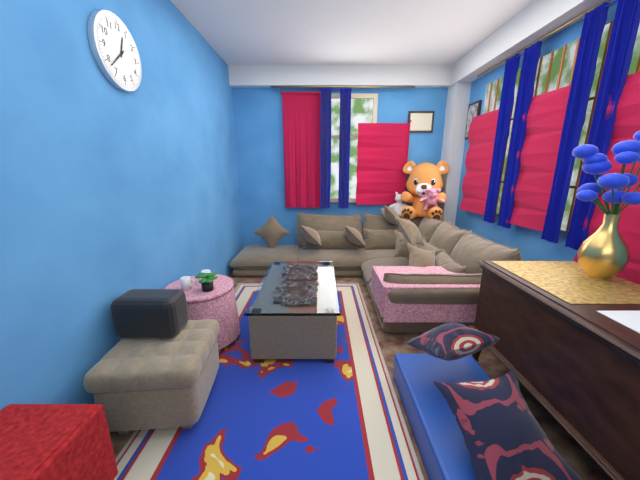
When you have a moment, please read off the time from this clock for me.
12:38
